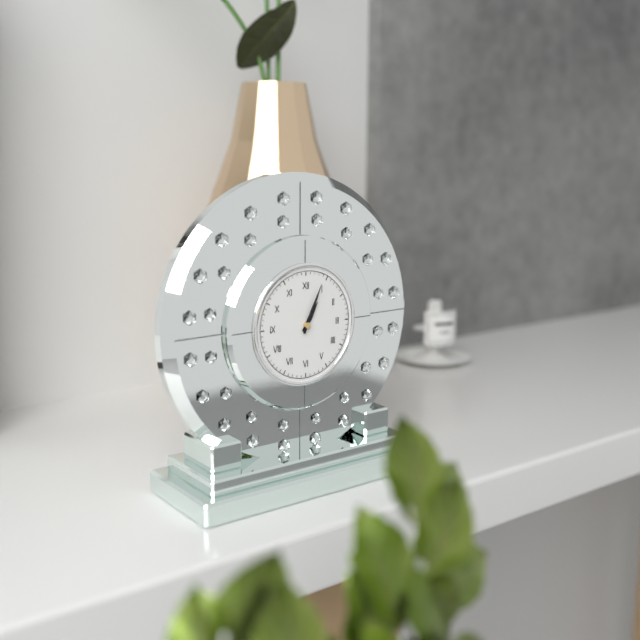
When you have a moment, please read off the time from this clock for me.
1:04
